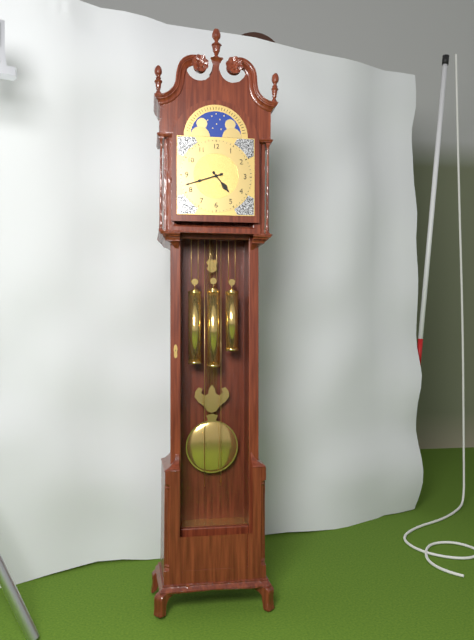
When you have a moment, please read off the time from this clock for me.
4:42
